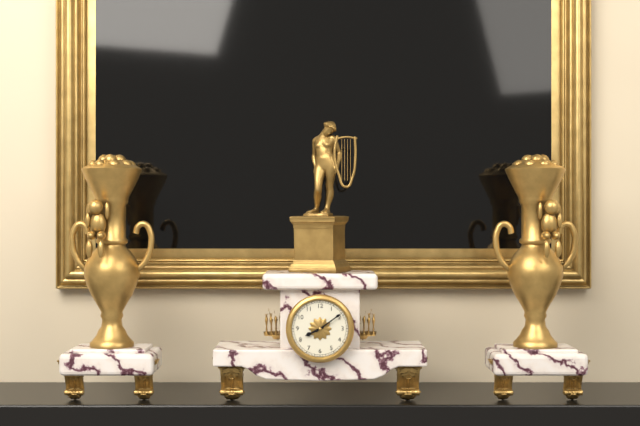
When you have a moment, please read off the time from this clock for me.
8:09
